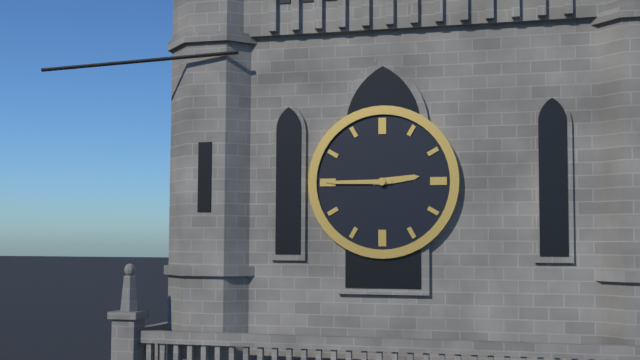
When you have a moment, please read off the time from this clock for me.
2:45
